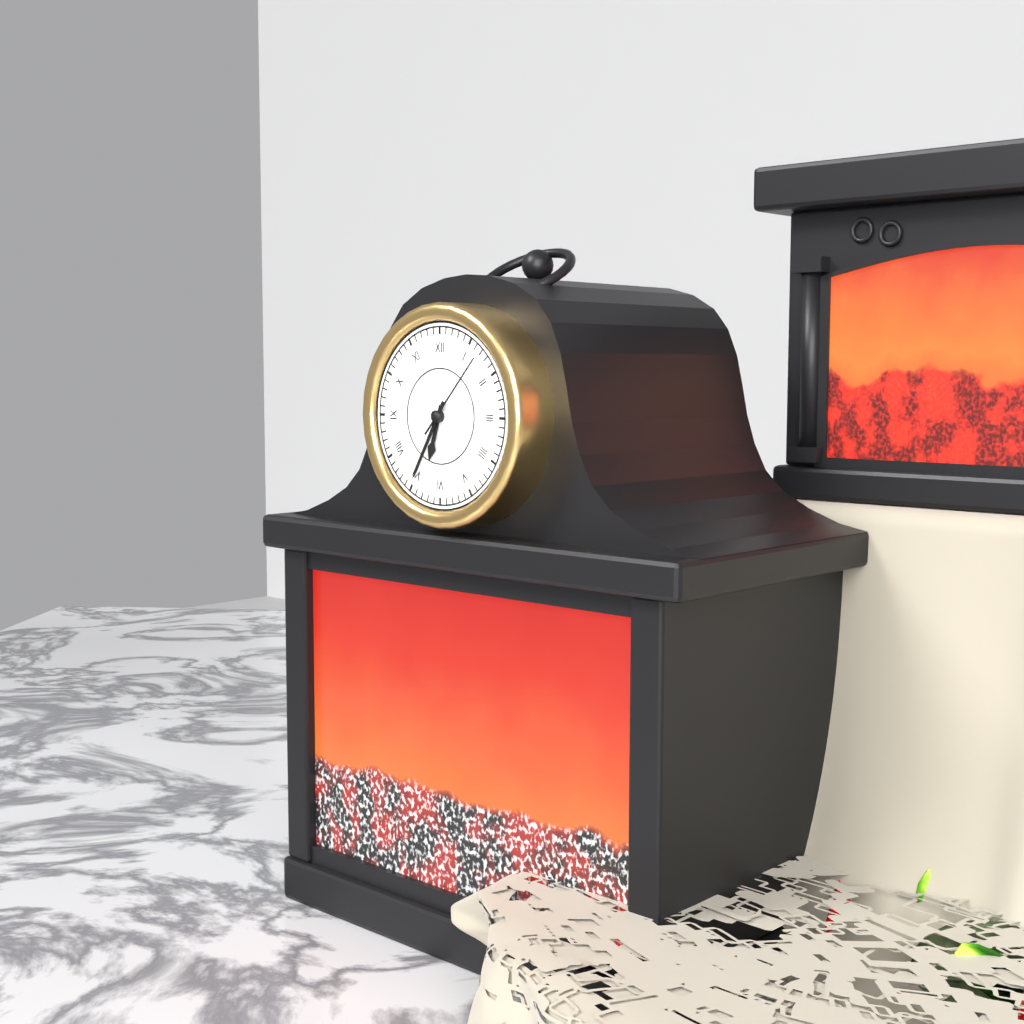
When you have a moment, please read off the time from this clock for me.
6:35:07
